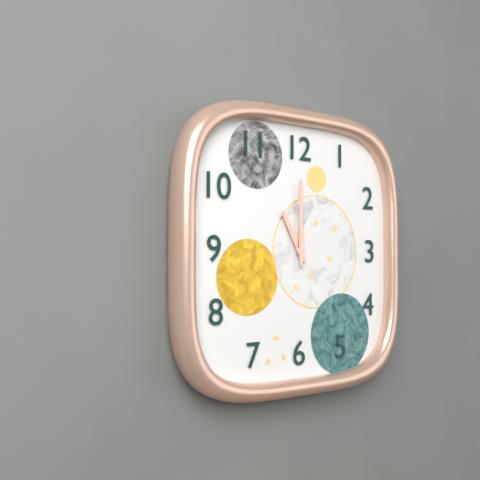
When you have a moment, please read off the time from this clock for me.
11:00
